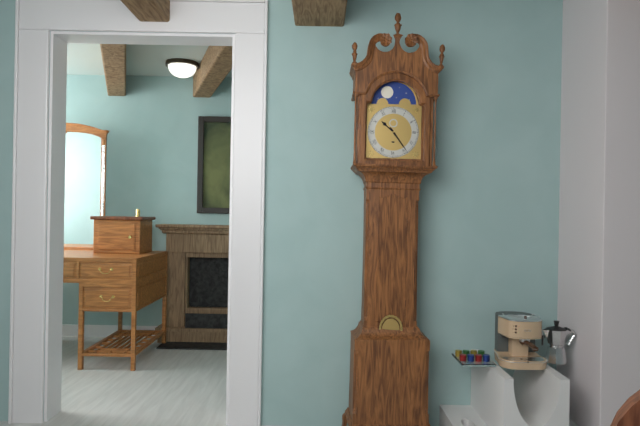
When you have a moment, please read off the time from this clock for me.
10:24
